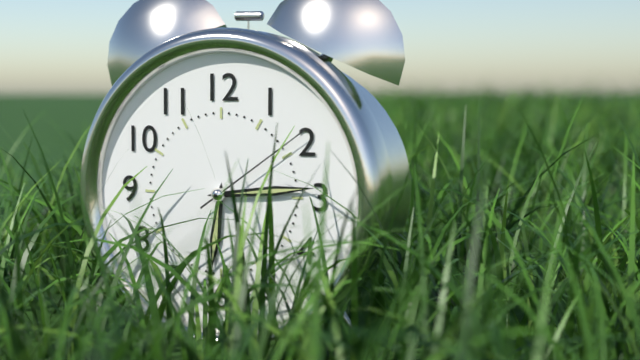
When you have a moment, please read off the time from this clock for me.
6:14:09
